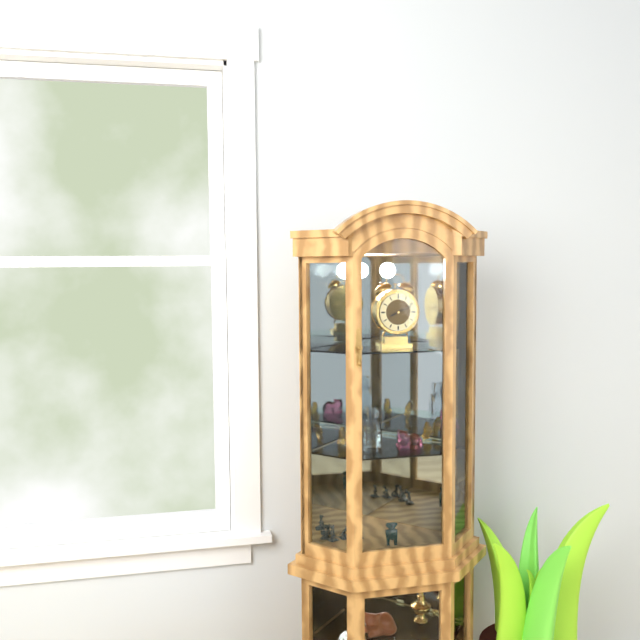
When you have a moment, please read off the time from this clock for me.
8:11
